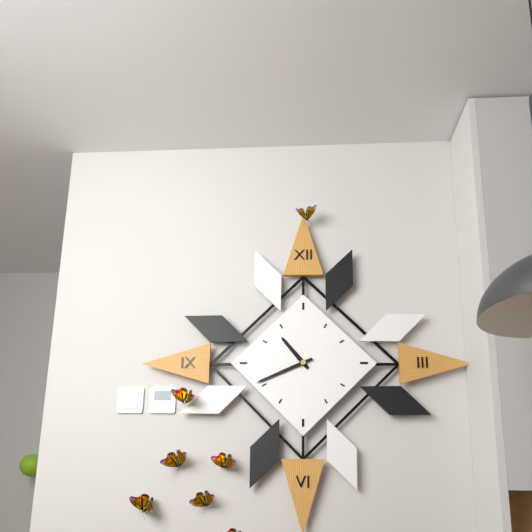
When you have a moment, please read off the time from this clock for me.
10:41
